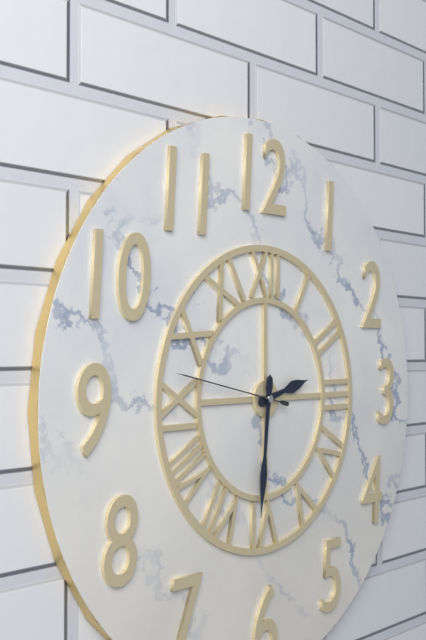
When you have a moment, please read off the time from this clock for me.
2:31:47
